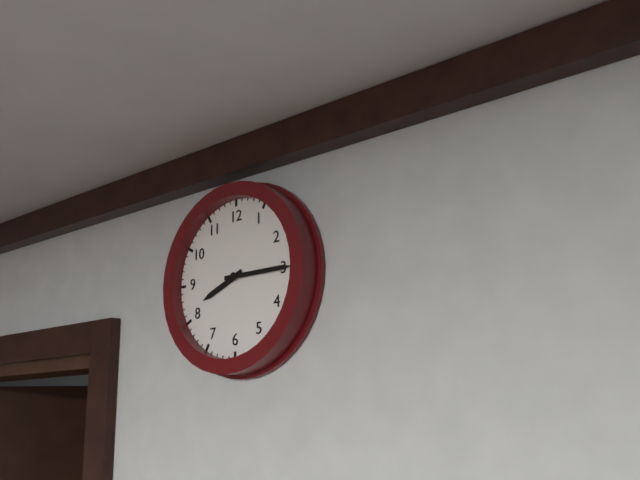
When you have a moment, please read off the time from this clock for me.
8:15
